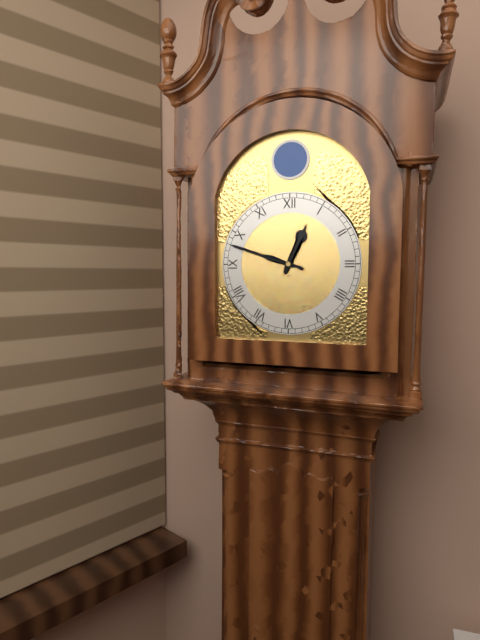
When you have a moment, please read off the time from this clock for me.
12:48
